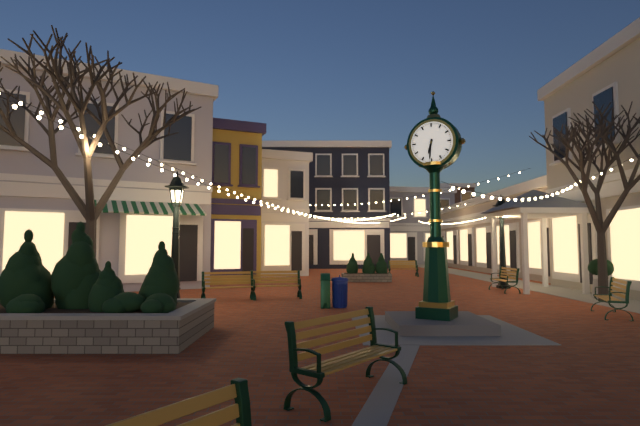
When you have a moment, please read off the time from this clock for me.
6:31
